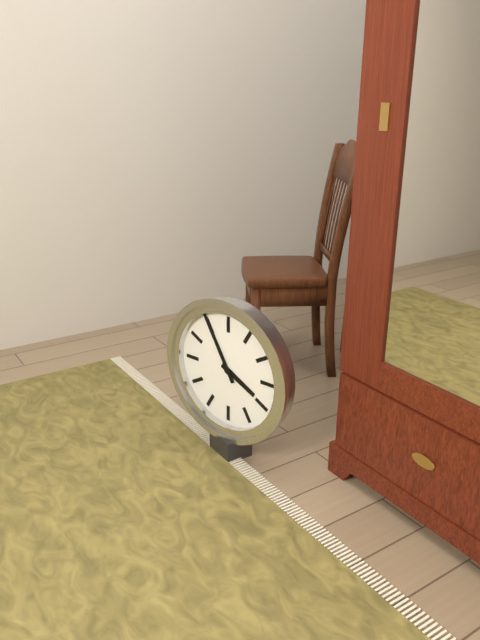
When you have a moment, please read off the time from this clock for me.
3:55
